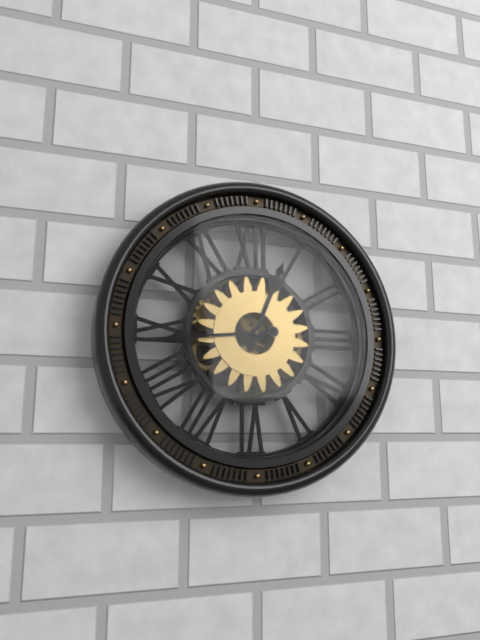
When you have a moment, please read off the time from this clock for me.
12:44
